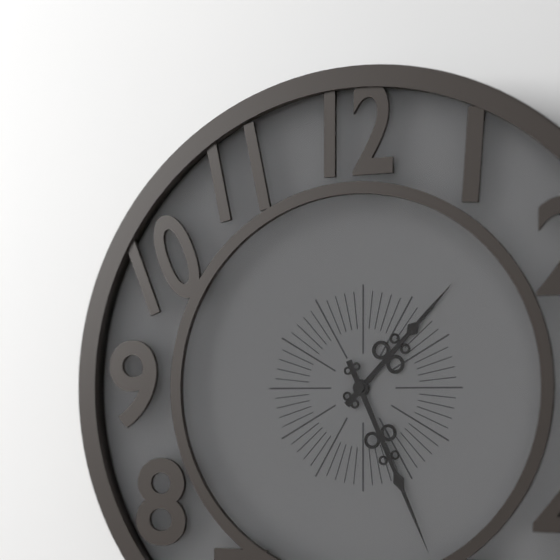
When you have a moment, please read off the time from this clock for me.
1:26
